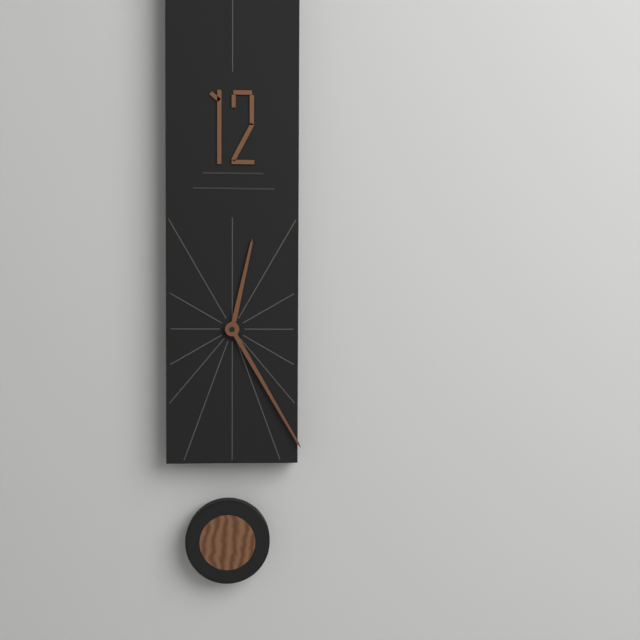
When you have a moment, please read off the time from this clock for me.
12:25
